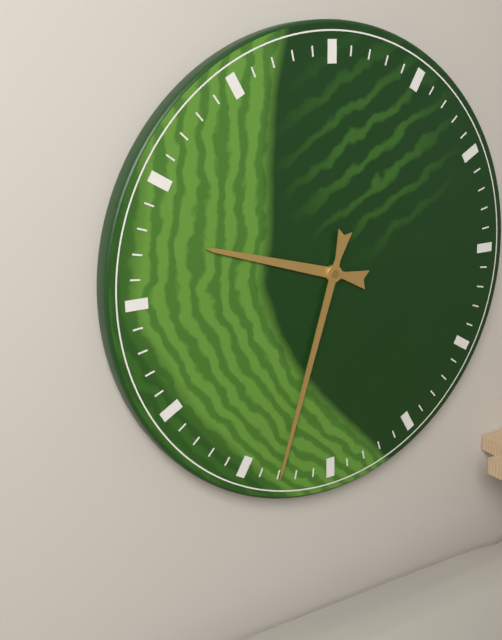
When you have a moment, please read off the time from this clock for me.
9:33
